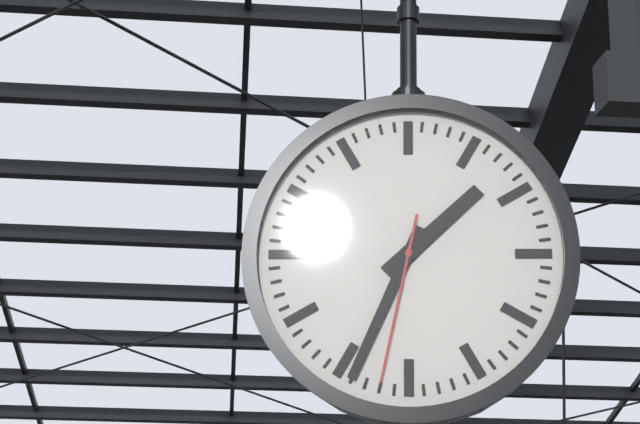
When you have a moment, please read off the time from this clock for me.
1:34:32
